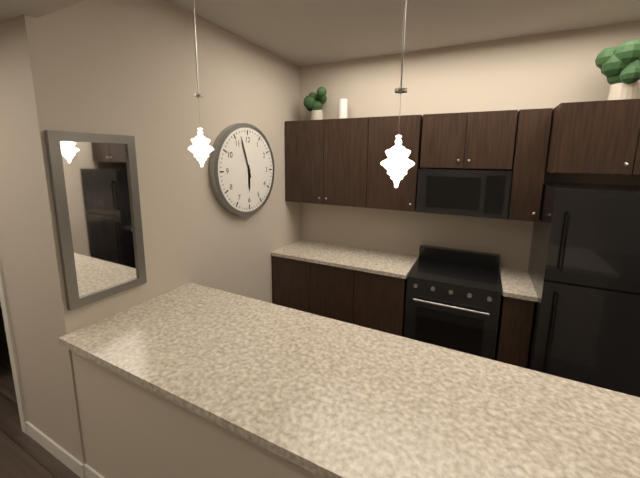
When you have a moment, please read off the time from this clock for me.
5:57
